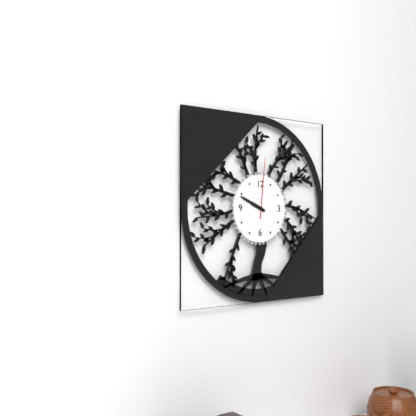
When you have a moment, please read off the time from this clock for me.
9:49:01
